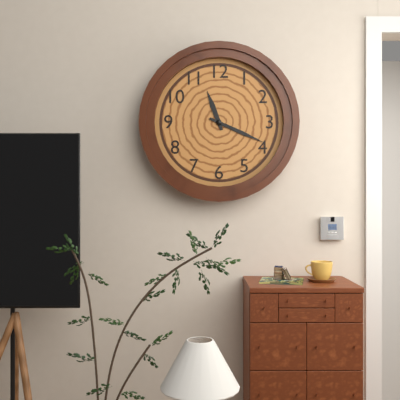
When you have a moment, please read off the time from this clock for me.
11:19
